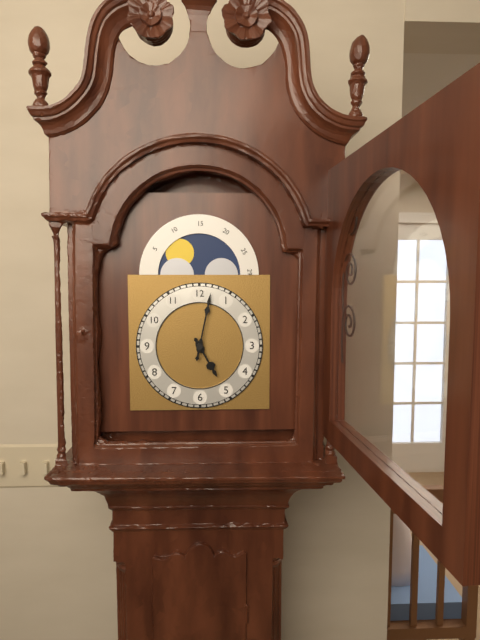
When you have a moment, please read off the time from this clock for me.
5:02
